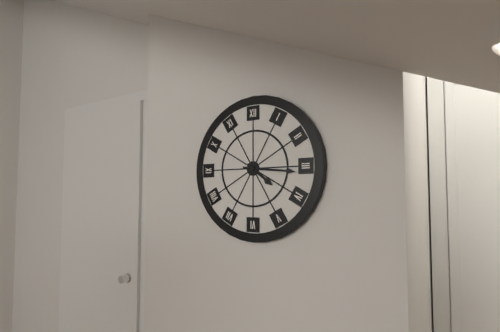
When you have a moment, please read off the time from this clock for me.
4:16
